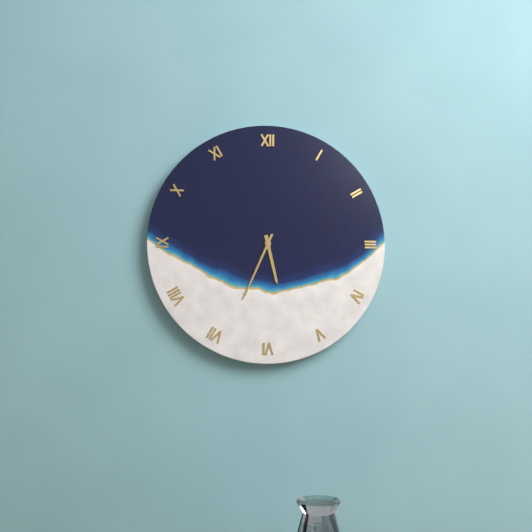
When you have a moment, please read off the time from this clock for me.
5:34
